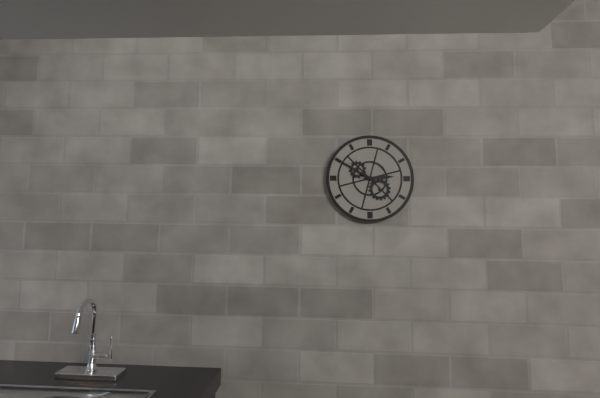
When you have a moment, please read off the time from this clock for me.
2:50
